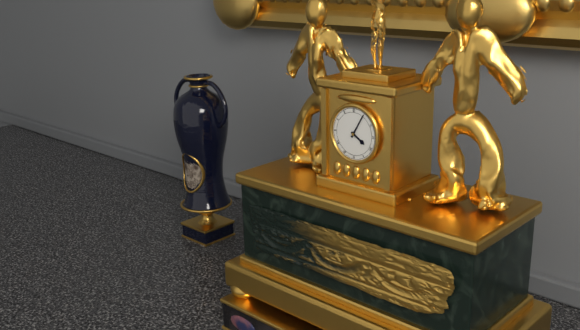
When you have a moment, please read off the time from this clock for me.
4:05
